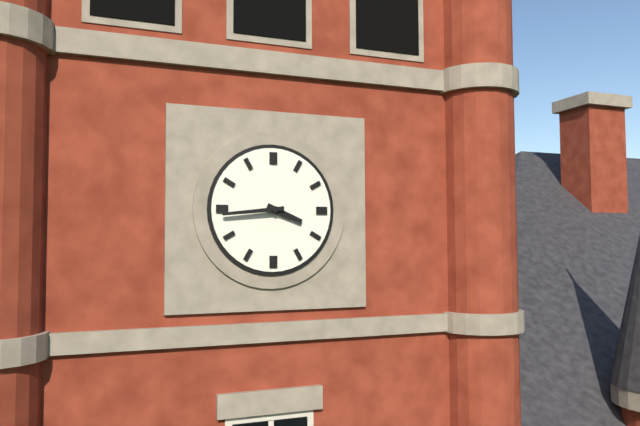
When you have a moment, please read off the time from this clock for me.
3:44
